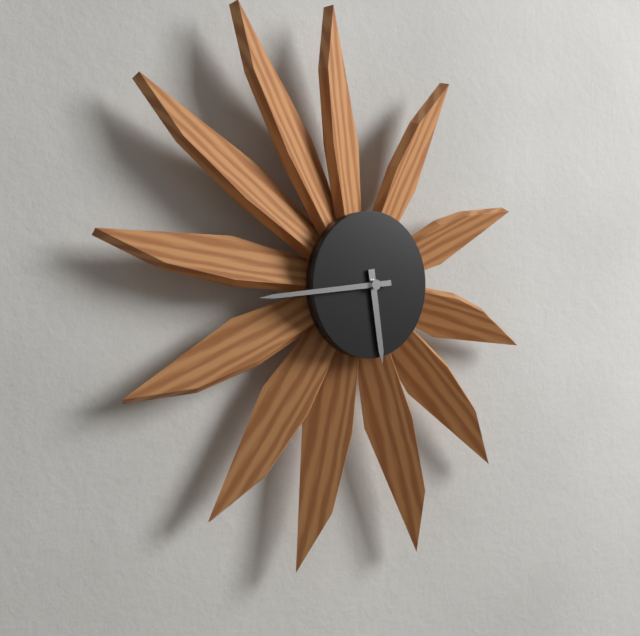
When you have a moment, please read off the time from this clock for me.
5:44
